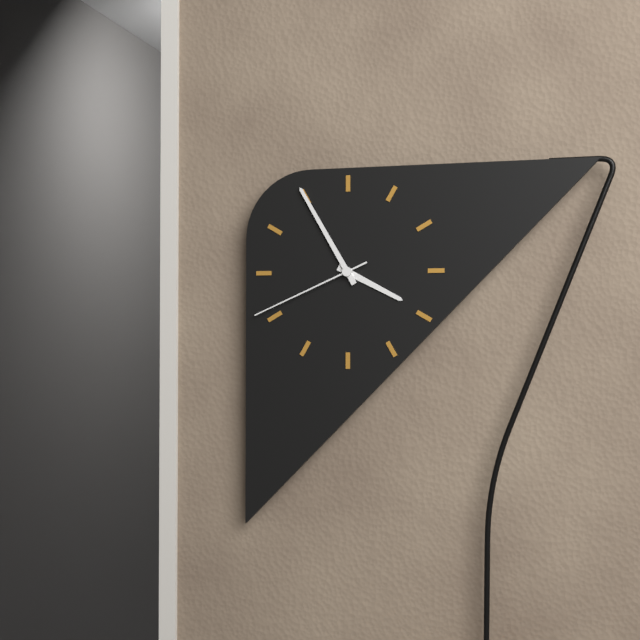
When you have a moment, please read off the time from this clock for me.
3:55:41
